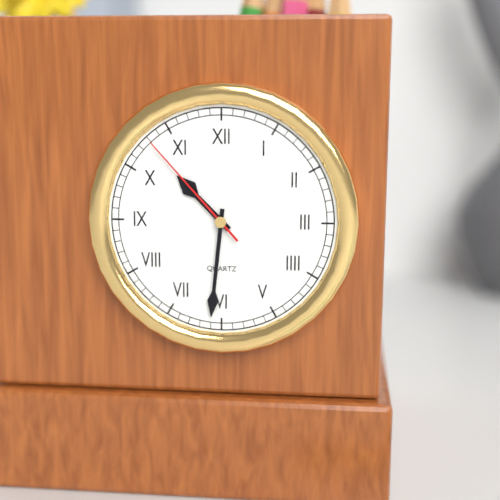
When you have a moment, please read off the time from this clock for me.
10:31:53
